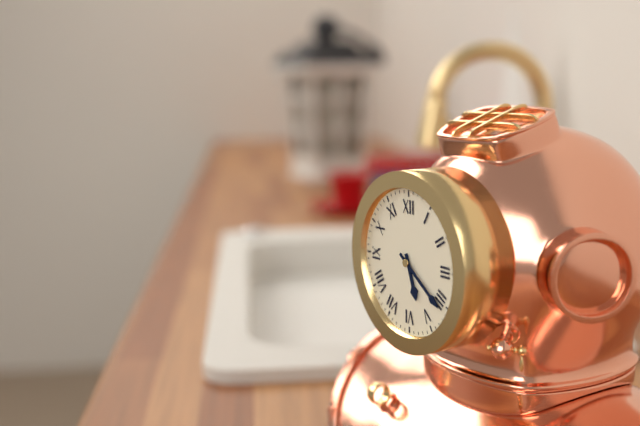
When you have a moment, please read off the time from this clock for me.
5:21
